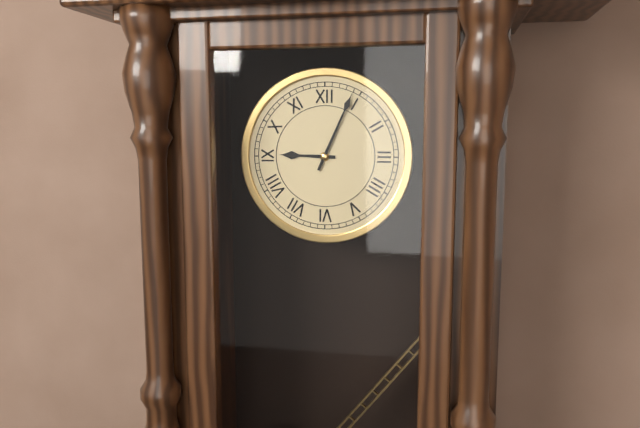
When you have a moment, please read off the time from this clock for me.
9:04
